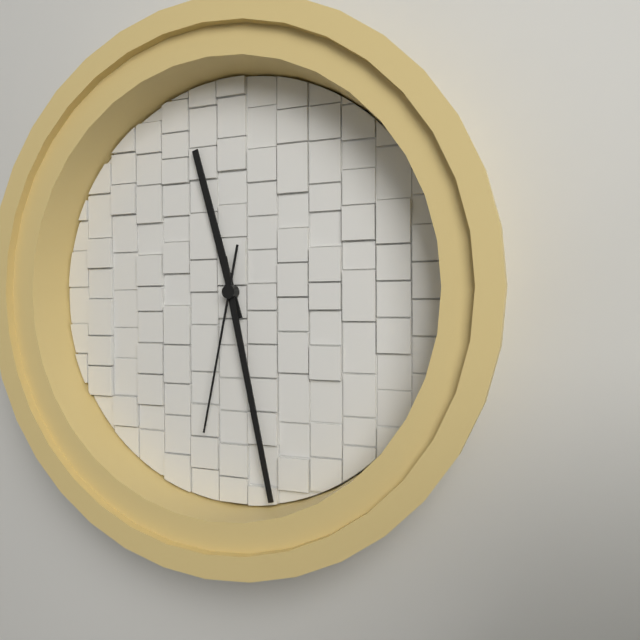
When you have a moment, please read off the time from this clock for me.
11:28:32
